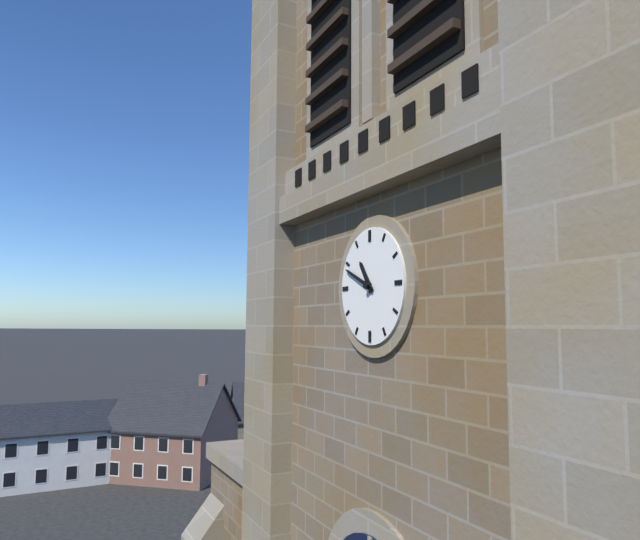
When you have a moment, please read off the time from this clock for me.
10:49
